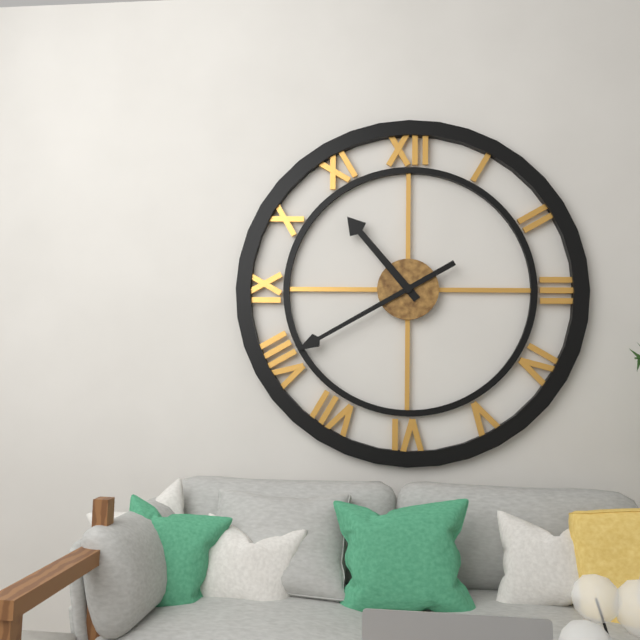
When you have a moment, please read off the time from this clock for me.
10:40
